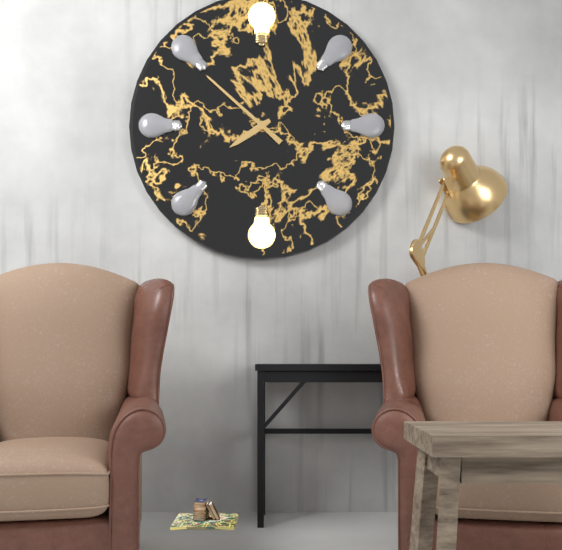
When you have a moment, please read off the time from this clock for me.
7:52
